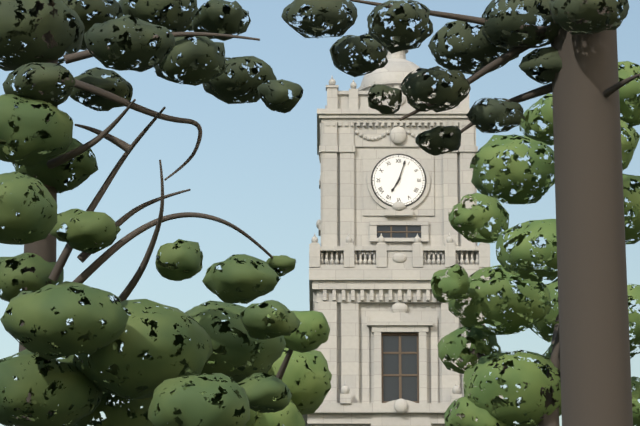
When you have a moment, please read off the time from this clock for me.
7:03
